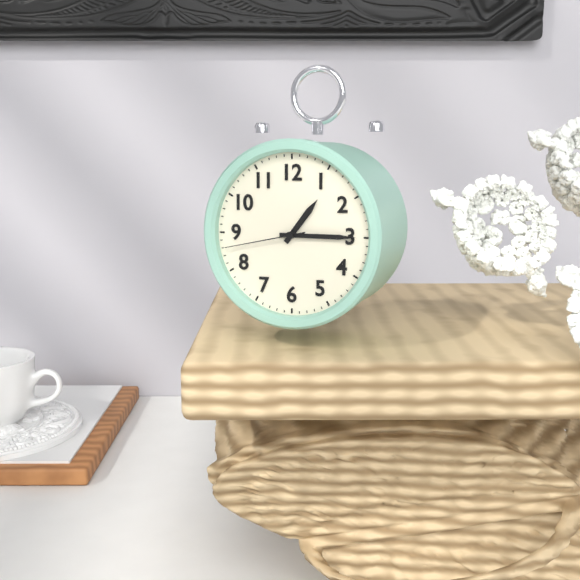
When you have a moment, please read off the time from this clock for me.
1:15:43
